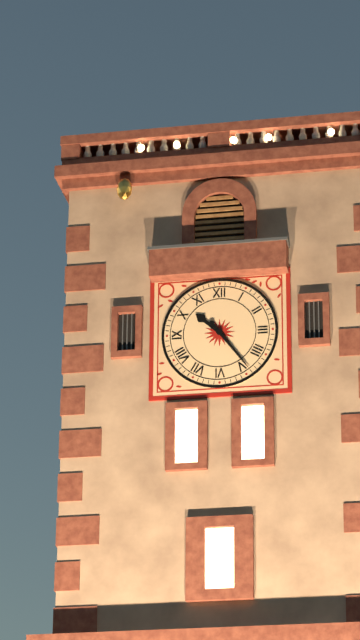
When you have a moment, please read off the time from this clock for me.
10:24
